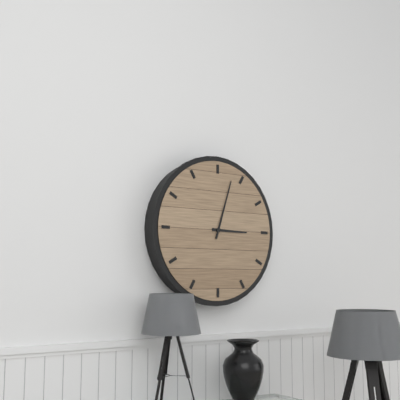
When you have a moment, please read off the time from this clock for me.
3:03
